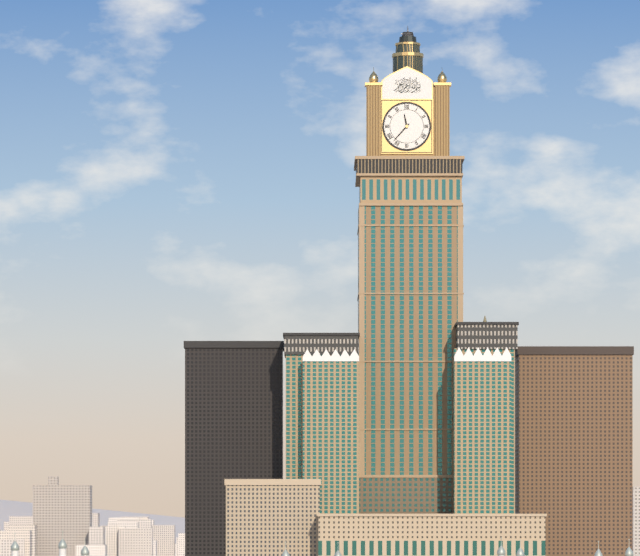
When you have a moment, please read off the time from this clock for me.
11:37
